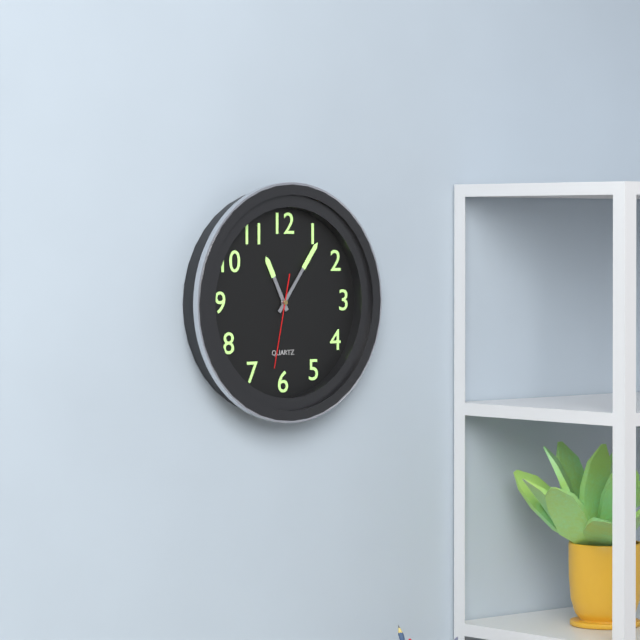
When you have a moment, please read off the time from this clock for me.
11:06:32
